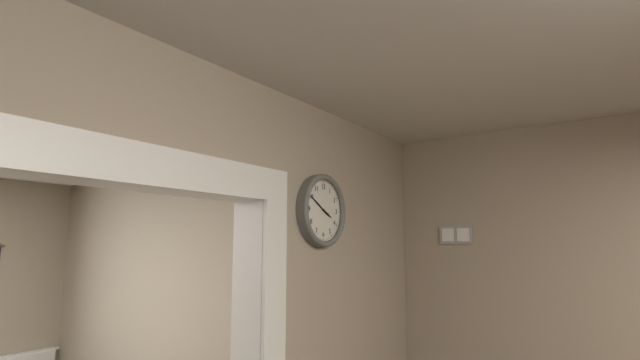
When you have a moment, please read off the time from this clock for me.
3:50
